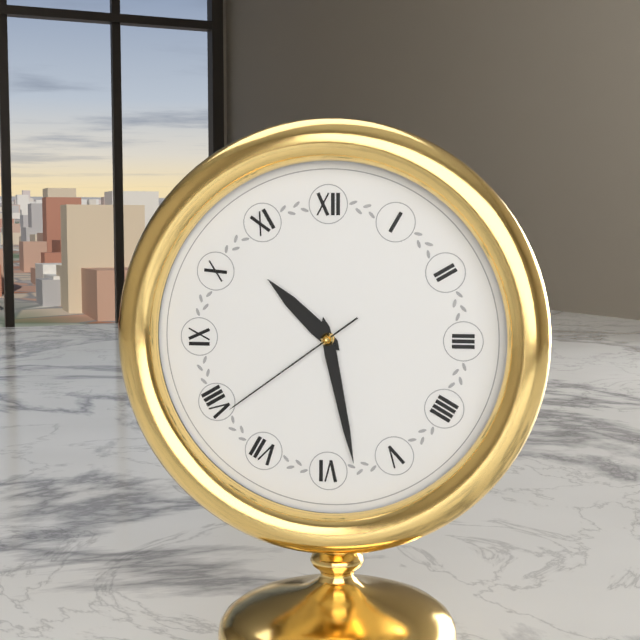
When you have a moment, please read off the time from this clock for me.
10:28:39
